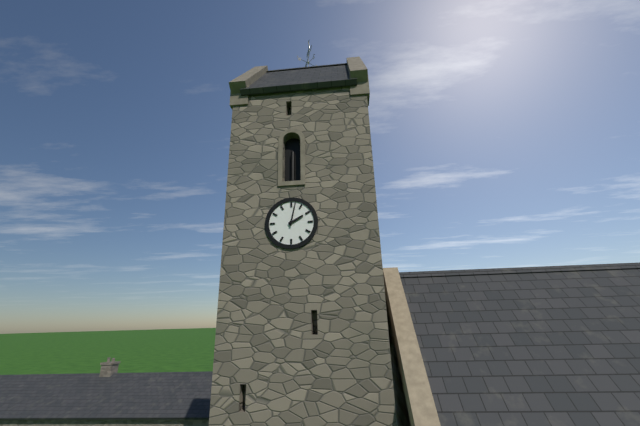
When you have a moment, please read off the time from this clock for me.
2:02
